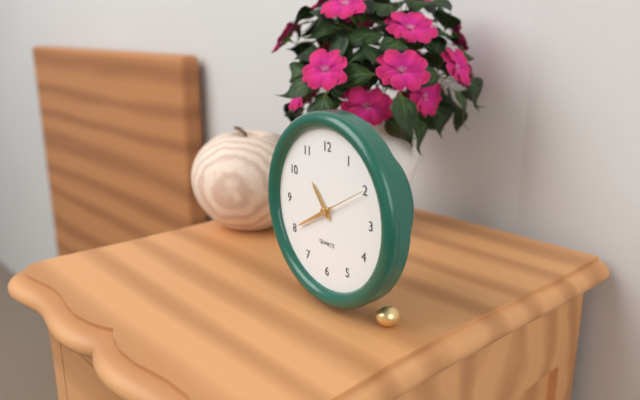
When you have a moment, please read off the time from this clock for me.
10:40:10
